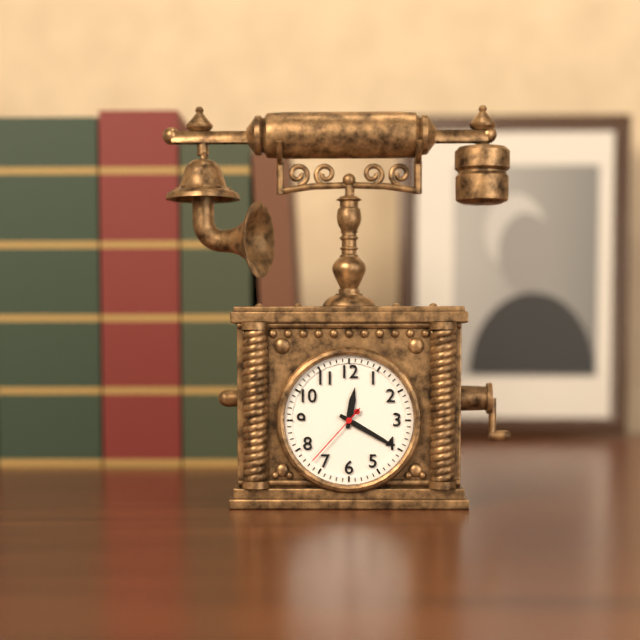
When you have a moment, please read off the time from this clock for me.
12:20:37
